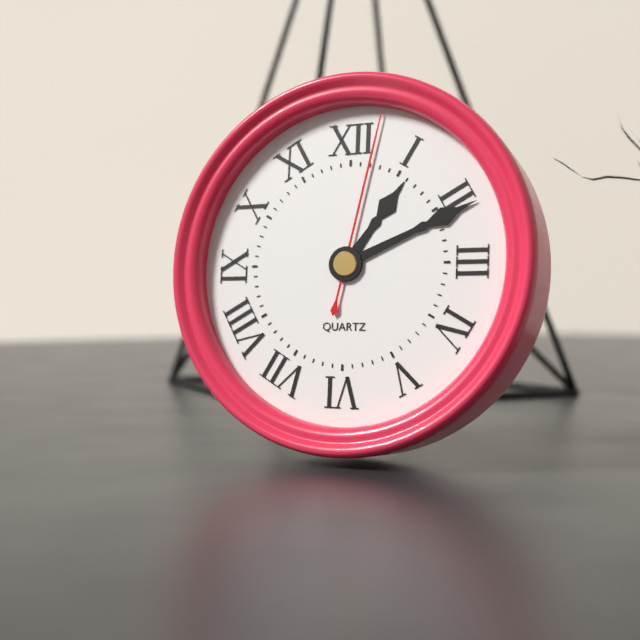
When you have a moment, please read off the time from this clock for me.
1:11:02
